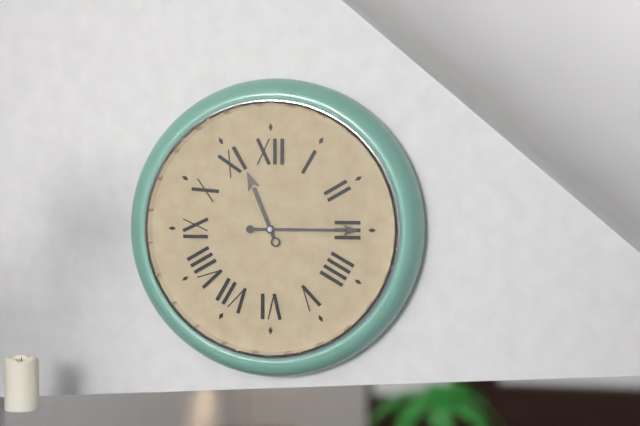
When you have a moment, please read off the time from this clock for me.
11:15
